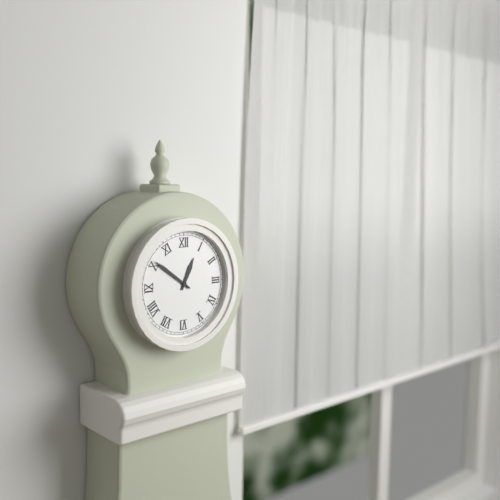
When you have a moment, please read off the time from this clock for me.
12:51
